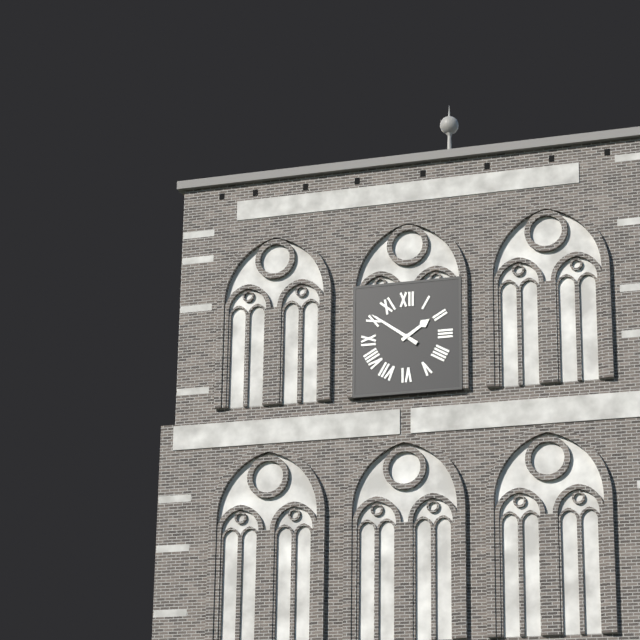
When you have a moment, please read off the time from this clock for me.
1:51
